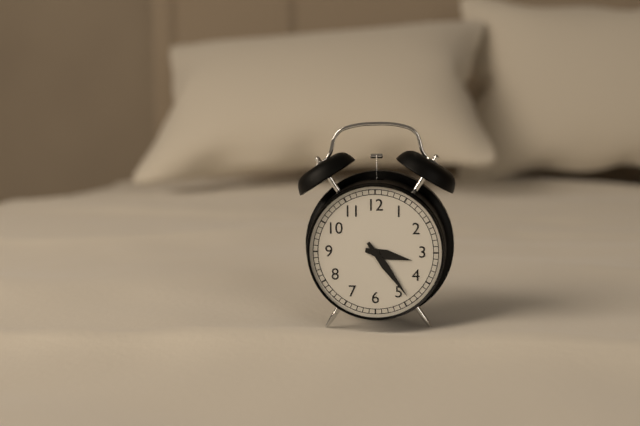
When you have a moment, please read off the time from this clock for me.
3:24
